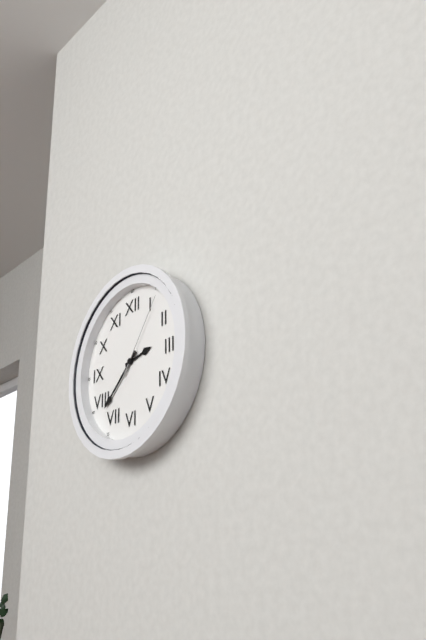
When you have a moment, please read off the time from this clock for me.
2:38:06
